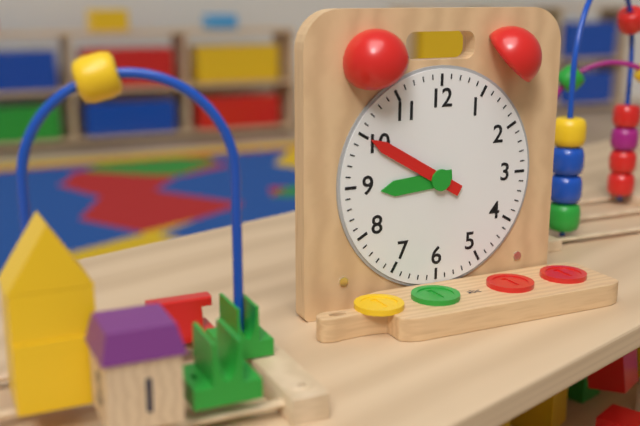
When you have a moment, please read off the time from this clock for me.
8:50
